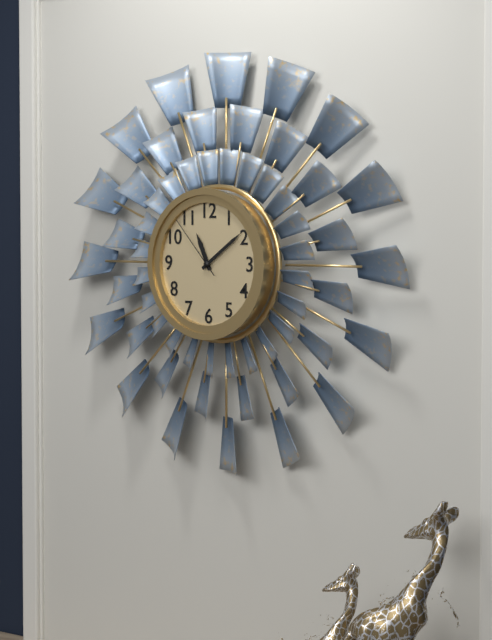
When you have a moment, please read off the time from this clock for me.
11:09:53
